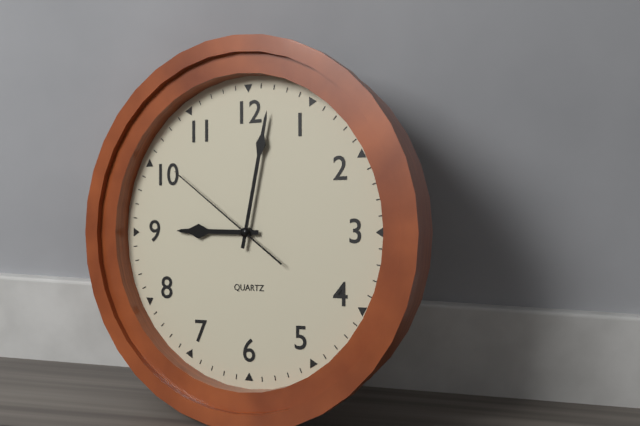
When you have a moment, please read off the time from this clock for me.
9:02:51
